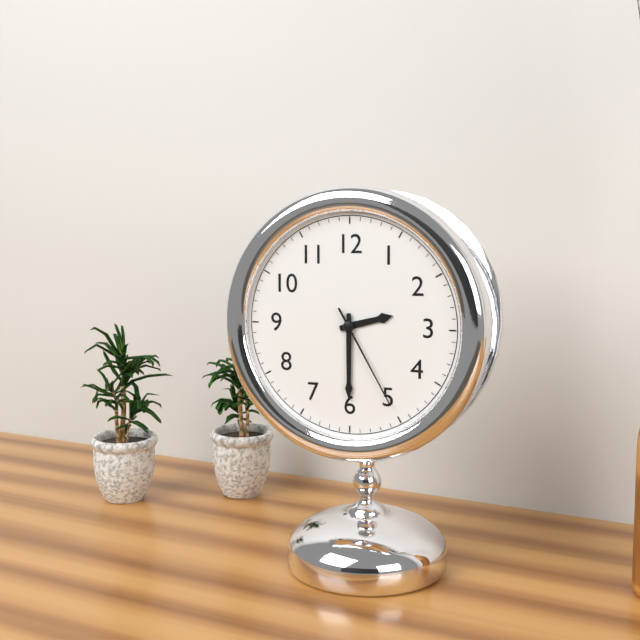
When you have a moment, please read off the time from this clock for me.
2:30:25
